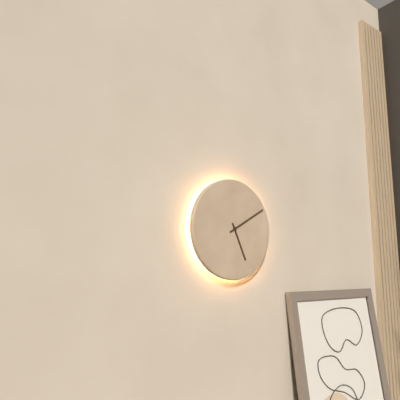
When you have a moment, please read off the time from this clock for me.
5:10
